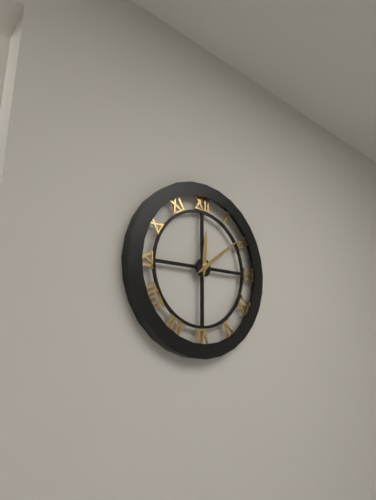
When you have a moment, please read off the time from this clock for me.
12:09
